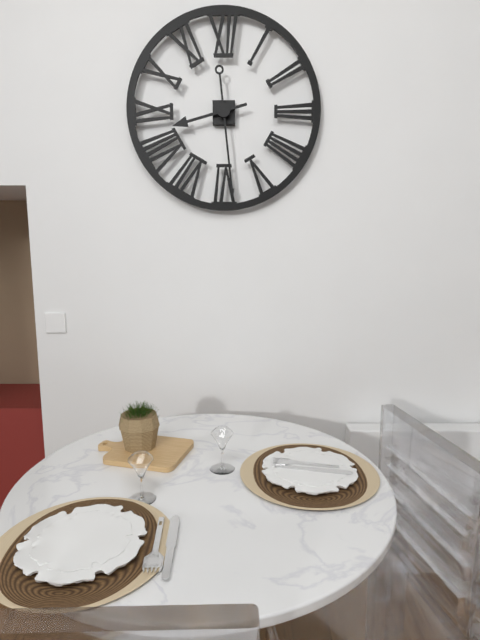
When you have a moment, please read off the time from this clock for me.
8:29
